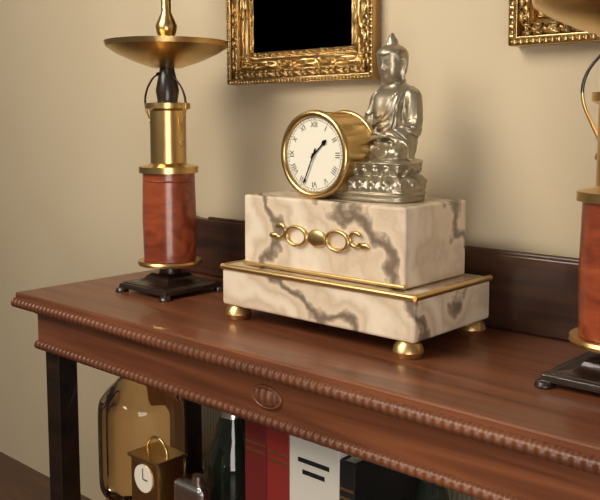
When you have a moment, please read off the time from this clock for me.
1:34
